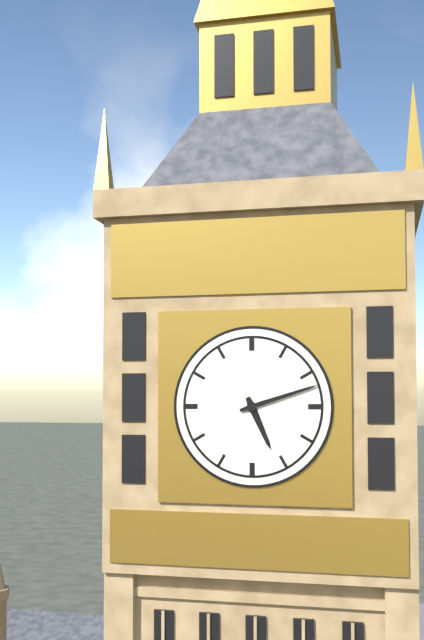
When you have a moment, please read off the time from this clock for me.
5:12
